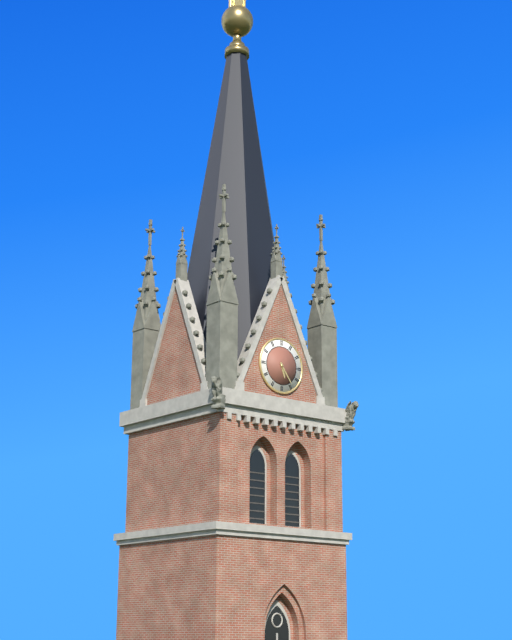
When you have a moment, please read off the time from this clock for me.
5:24
